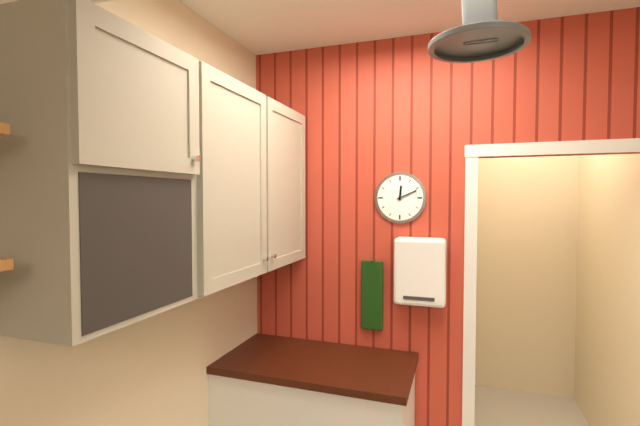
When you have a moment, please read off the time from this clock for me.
12:11
